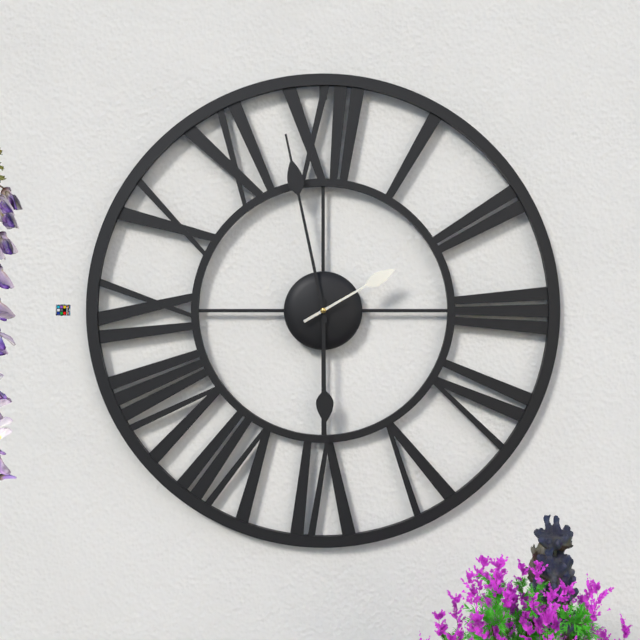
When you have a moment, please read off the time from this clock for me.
5:58:10
